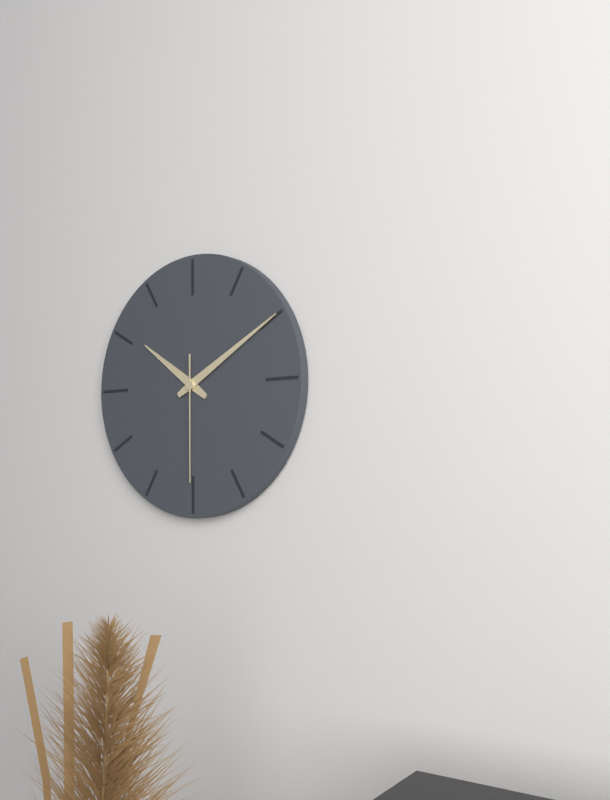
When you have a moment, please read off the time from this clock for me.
10:10:30
